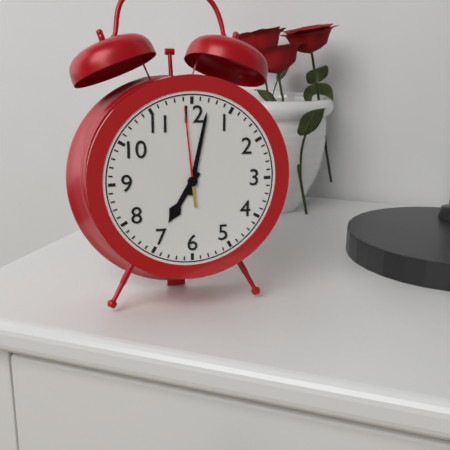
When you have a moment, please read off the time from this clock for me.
7:02:59
